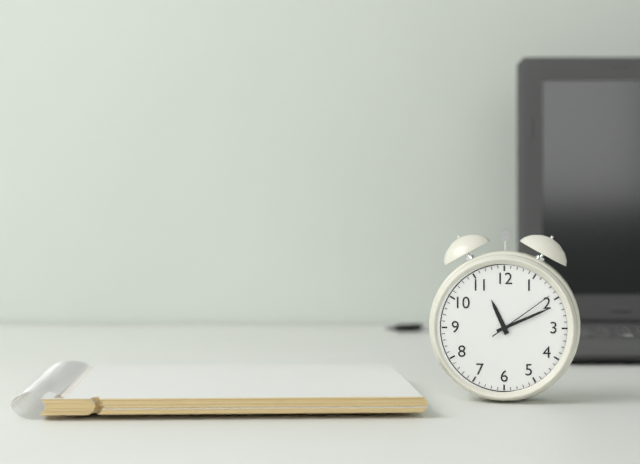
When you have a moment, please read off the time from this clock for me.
11:11:09
